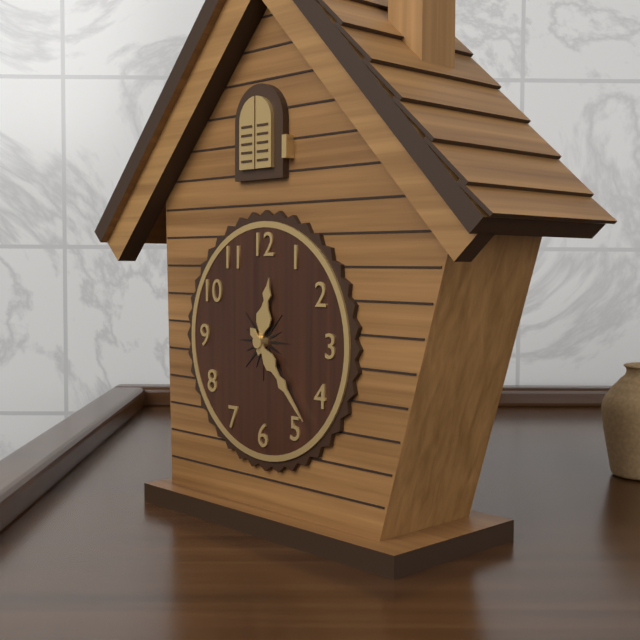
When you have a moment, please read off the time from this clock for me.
12:23
